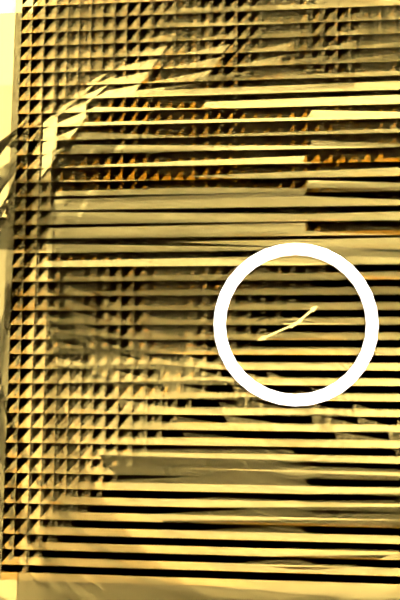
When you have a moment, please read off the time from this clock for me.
1:41:15
